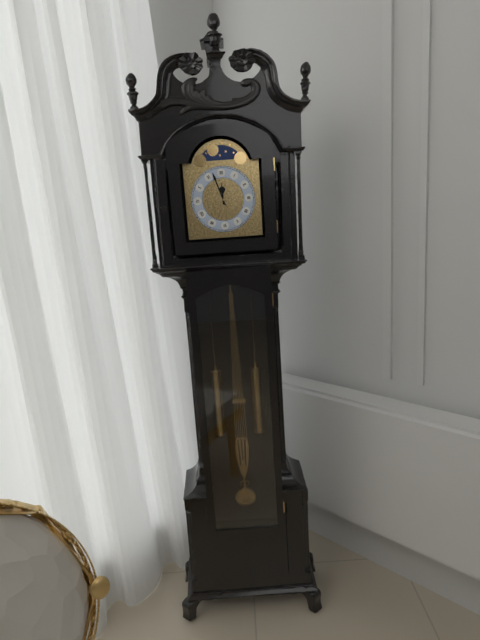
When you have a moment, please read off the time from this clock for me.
11:57
